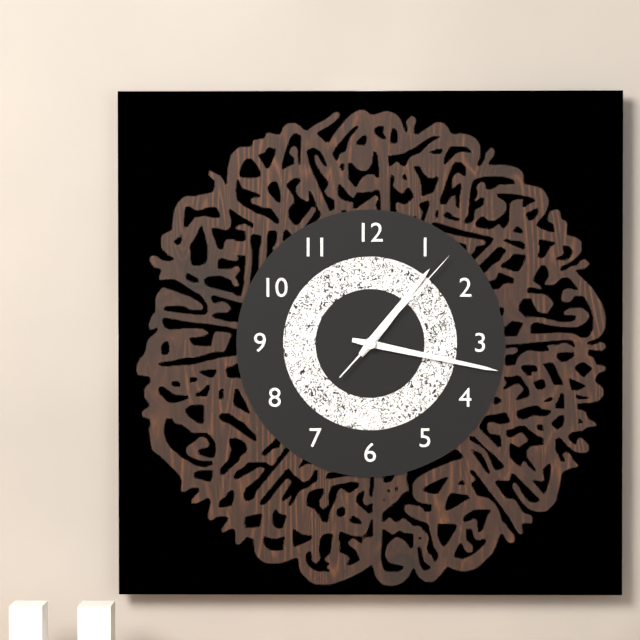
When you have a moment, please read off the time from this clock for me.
1:17:07
